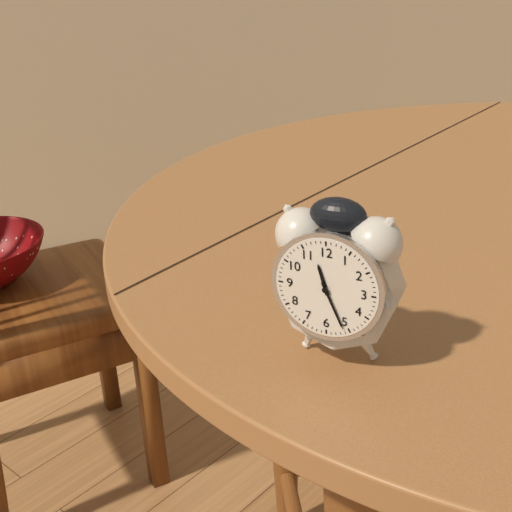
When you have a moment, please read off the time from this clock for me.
11:26
